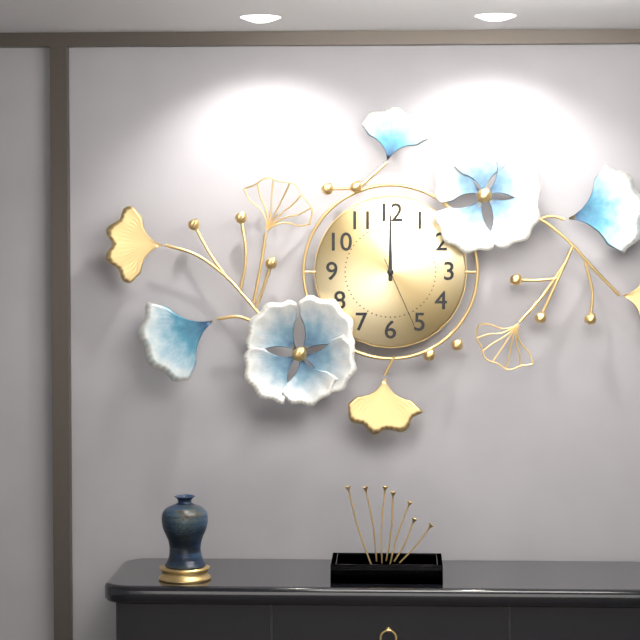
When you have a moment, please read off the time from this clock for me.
12:00:26
